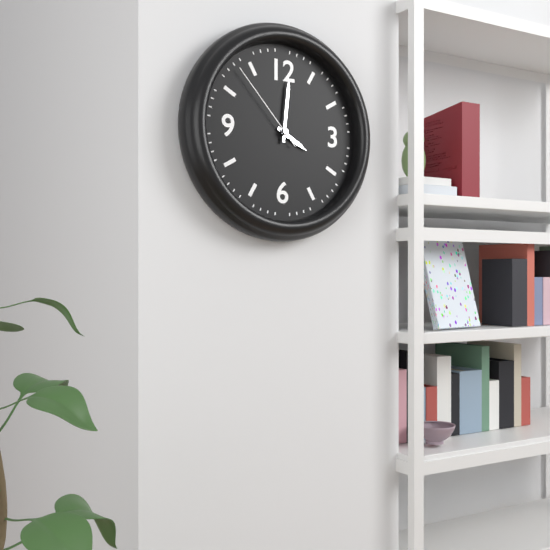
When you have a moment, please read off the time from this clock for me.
4:01:53
